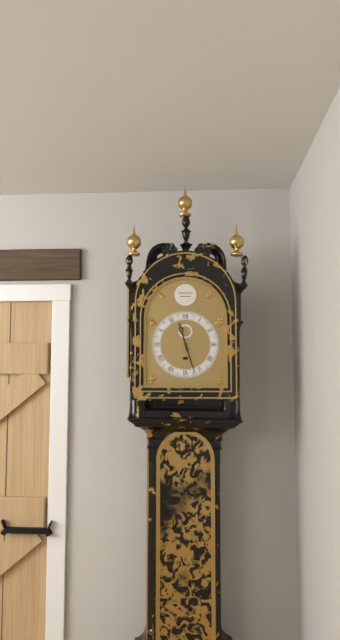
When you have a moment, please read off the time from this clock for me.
11:27
